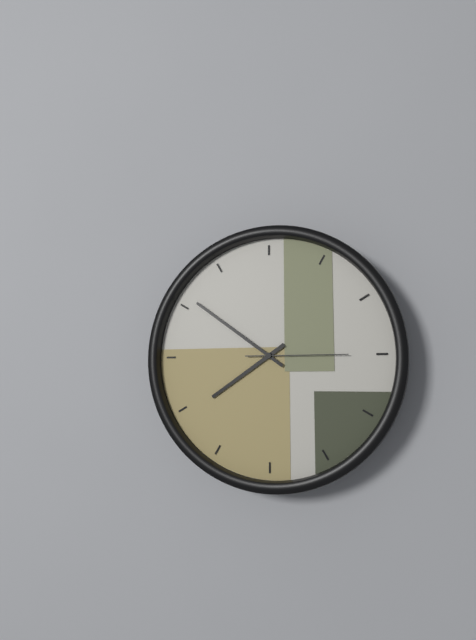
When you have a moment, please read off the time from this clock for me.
7:51:15
